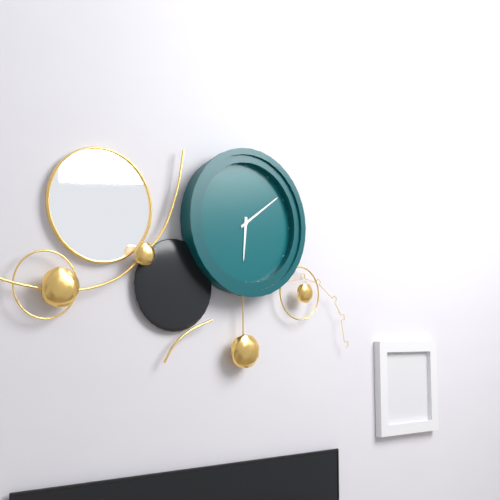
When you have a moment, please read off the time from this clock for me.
6:09
